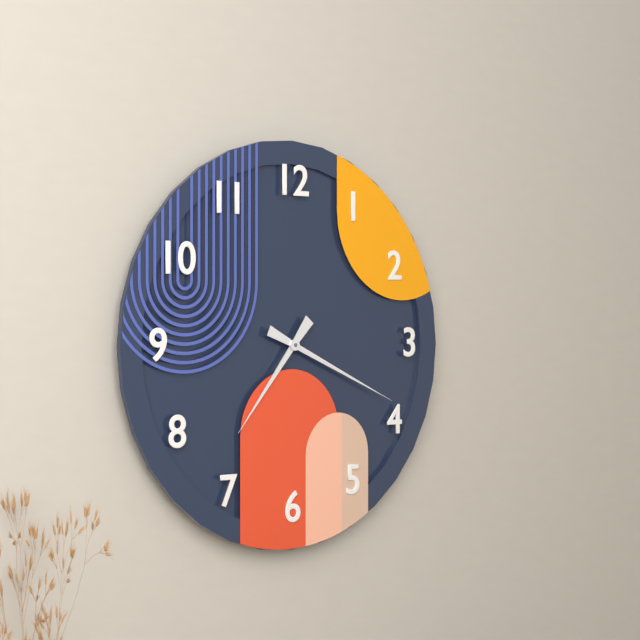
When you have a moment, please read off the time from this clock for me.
7:19
